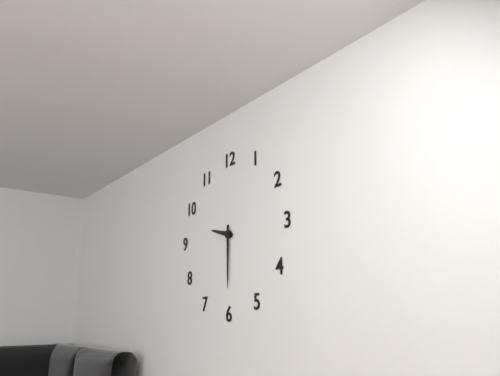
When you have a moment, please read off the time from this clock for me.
9:30
